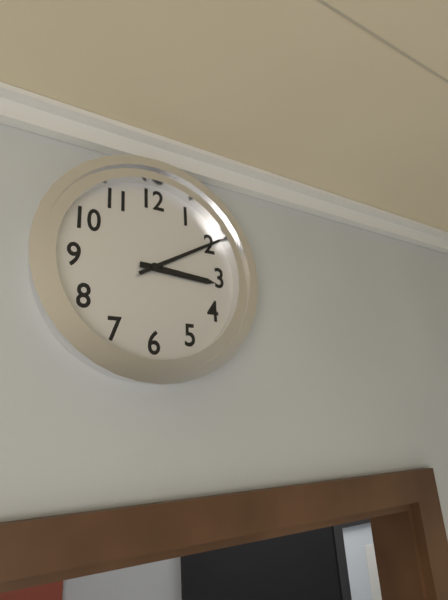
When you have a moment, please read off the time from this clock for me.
3:10
